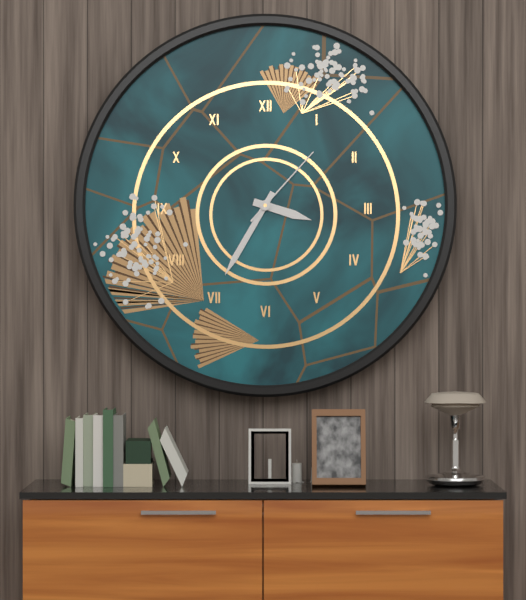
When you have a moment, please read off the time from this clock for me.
3:35:07
